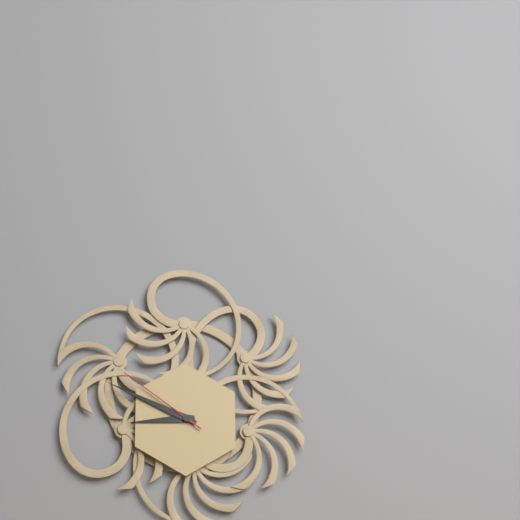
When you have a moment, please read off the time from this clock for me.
8:49:51
